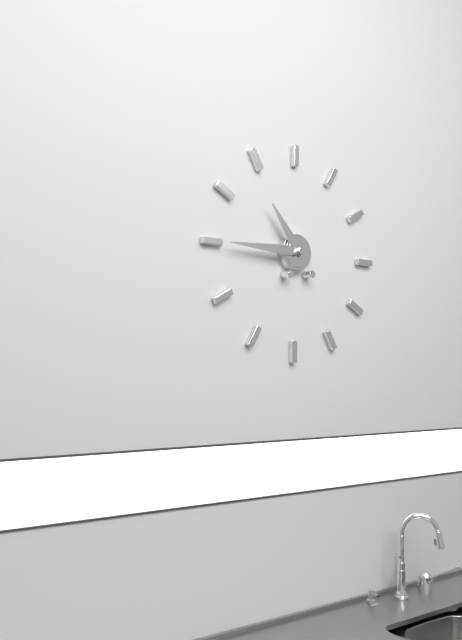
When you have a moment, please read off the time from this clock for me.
10:45
